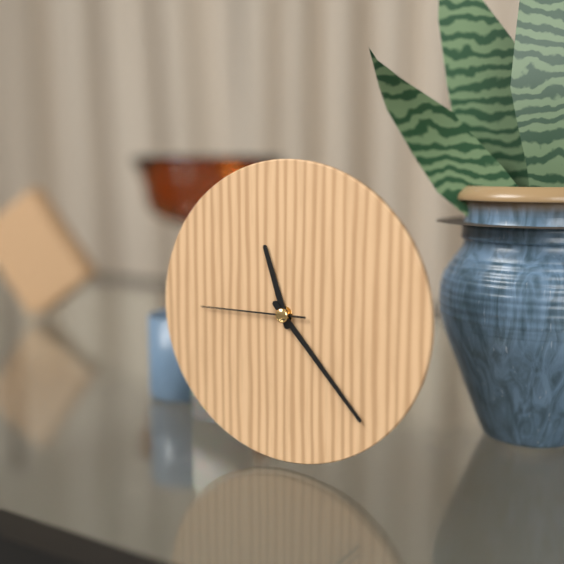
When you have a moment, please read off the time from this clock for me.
11:23:45
